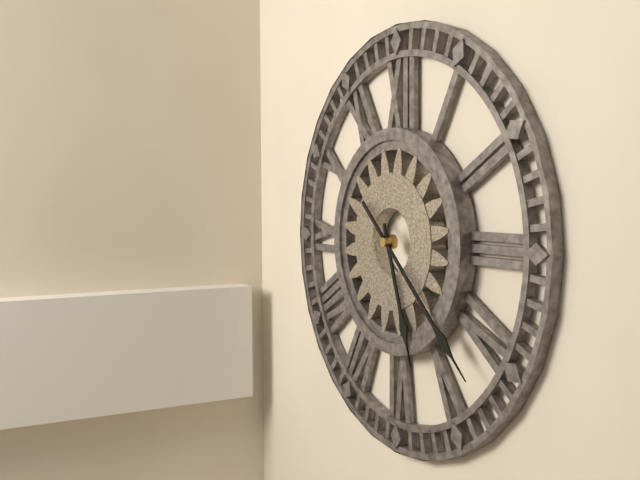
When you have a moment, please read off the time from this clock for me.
5:22
